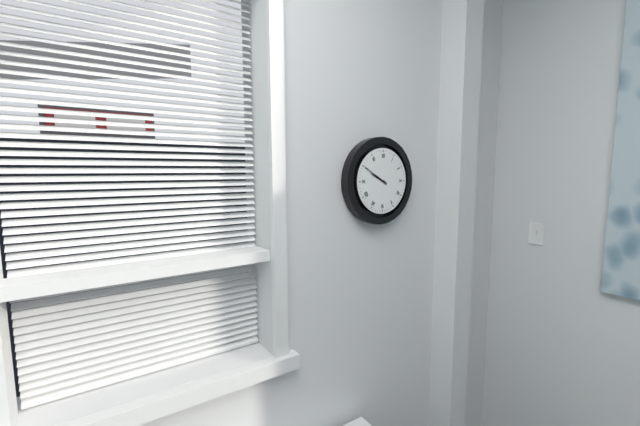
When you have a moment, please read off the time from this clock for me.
9:50
